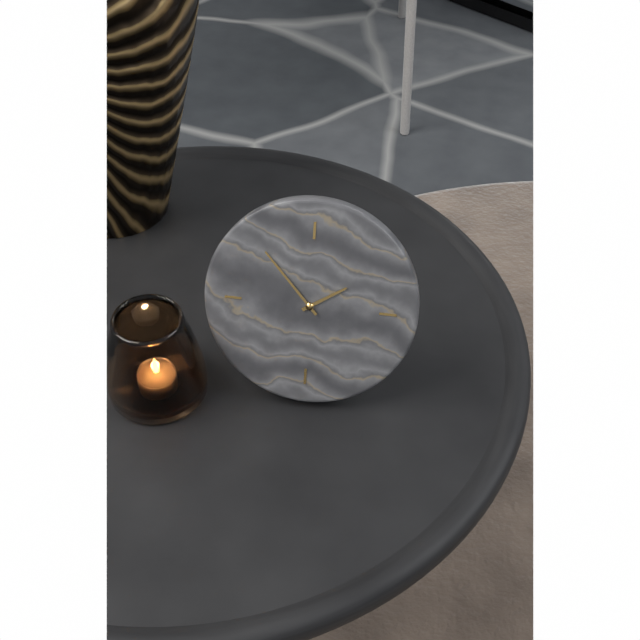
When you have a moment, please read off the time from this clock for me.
1:53
